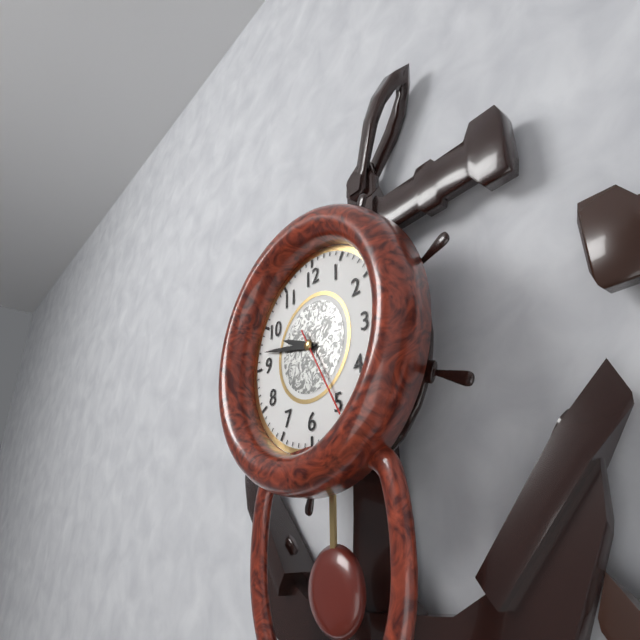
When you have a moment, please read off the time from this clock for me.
9:47:25
